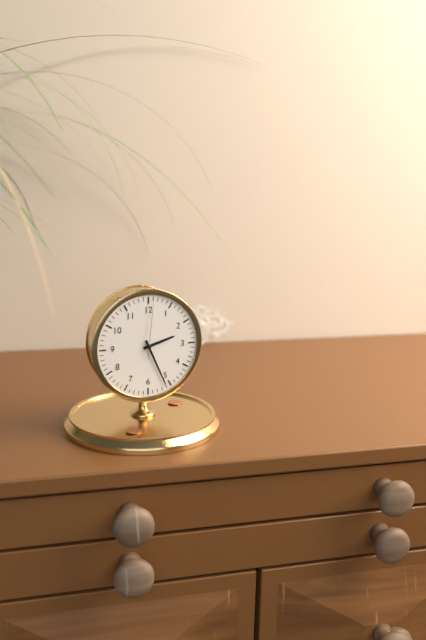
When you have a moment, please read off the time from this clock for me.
2:26:01
